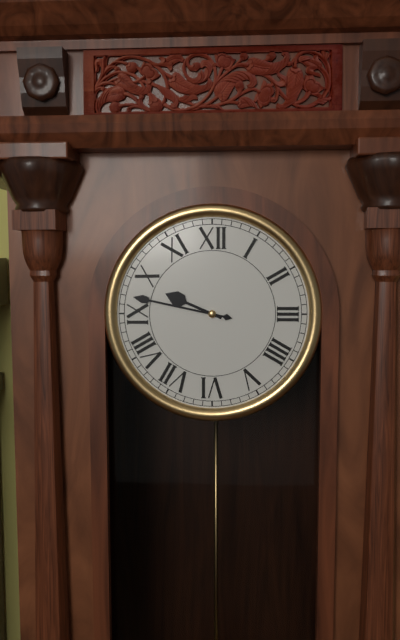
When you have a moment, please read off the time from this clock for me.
9:47
